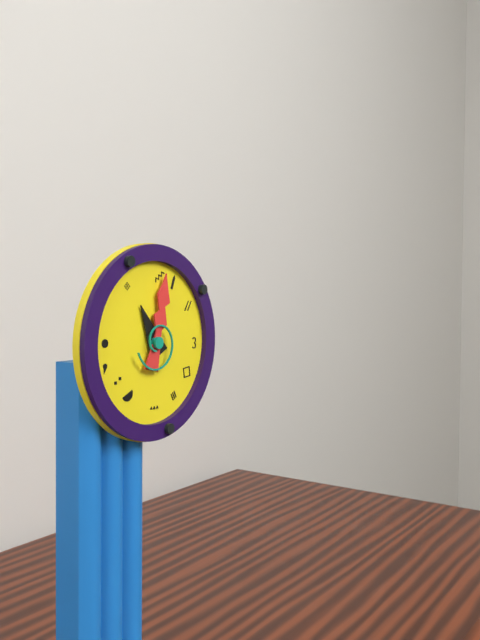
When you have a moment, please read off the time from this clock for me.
11:02
